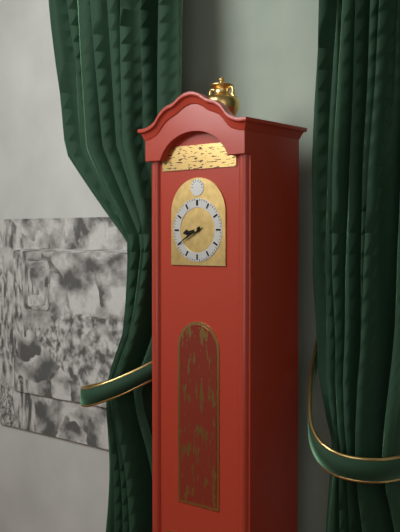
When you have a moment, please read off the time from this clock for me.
8:40
